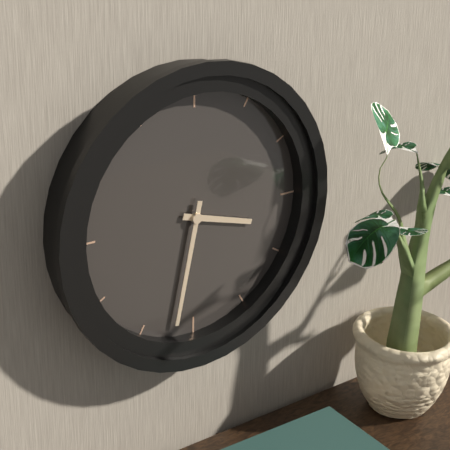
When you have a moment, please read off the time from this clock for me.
3:32
